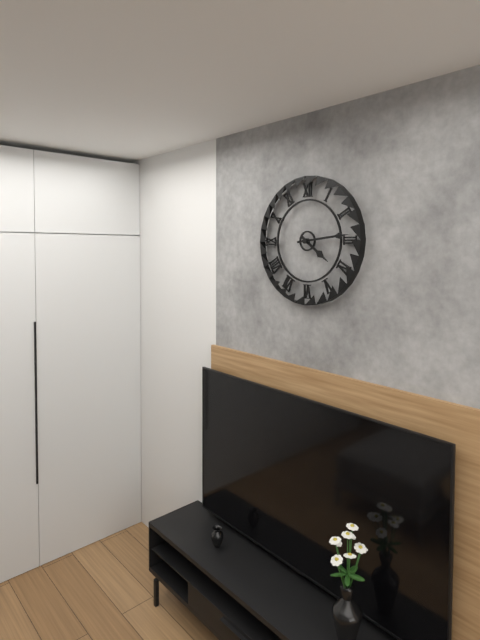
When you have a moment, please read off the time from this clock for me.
4:14
